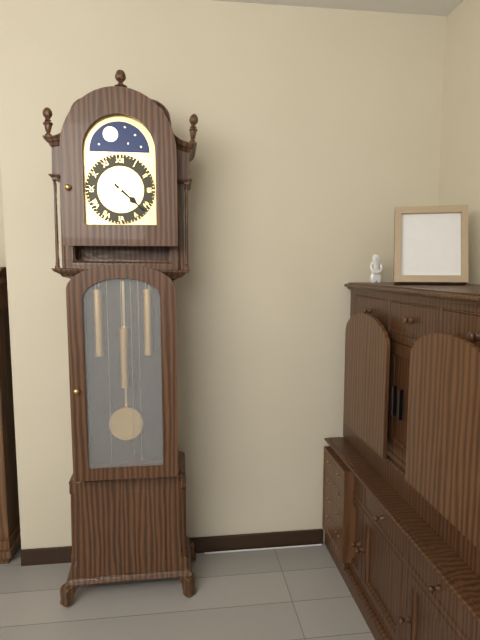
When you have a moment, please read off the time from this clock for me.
4:22
